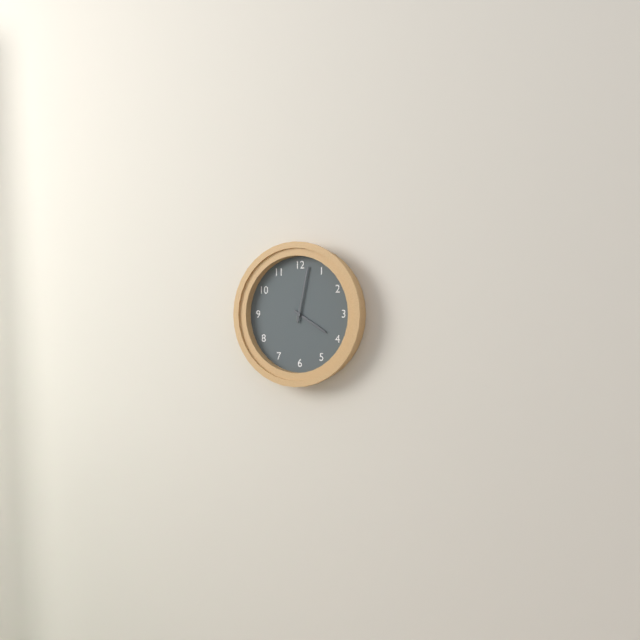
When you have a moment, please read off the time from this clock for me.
4:02
